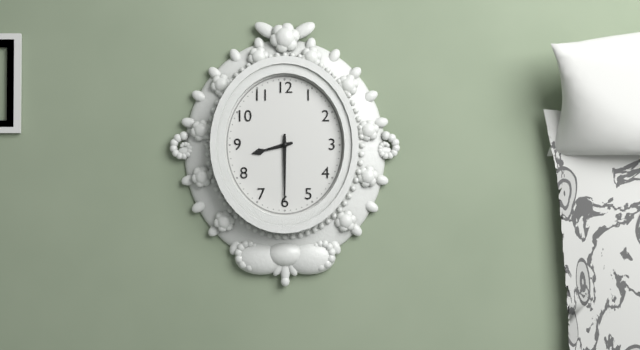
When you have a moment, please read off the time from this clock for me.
8:30
